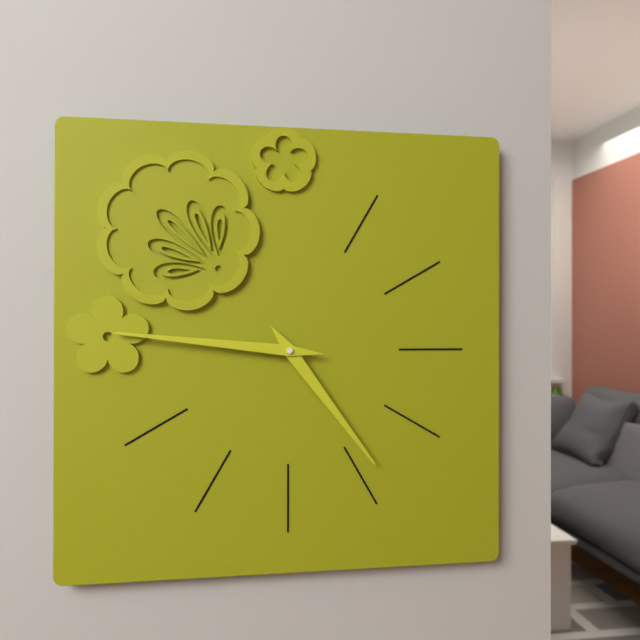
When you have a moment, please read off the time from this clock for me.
4:46
